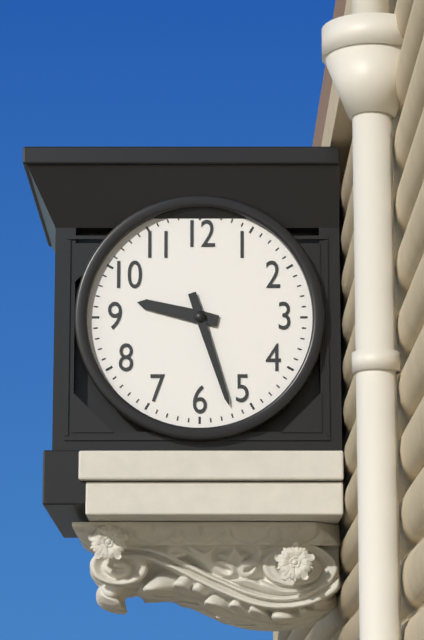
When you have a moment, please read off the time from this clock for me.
9:27
